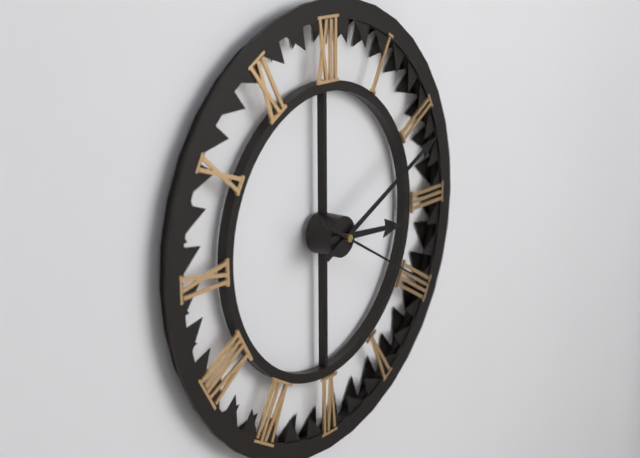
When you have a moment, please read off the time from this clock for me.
3:11:20
